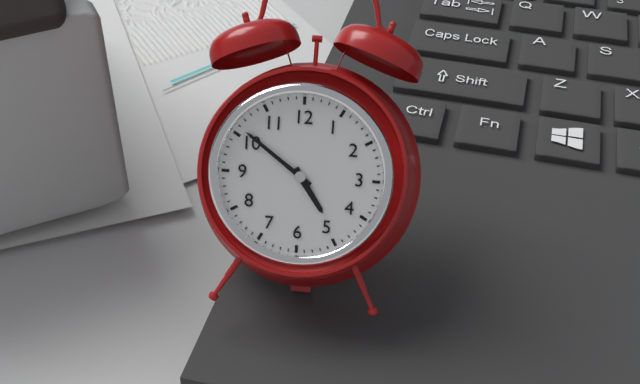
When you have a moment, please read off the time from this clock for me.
4:51
